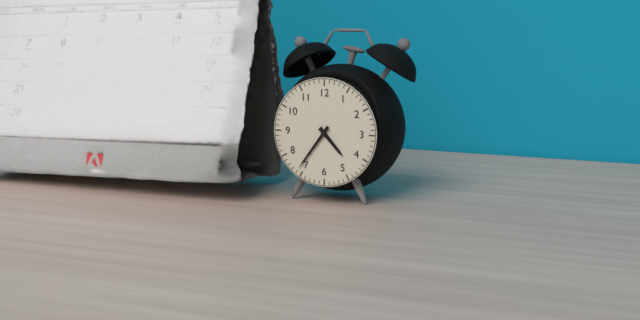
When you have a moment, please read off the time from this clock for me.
4:36
